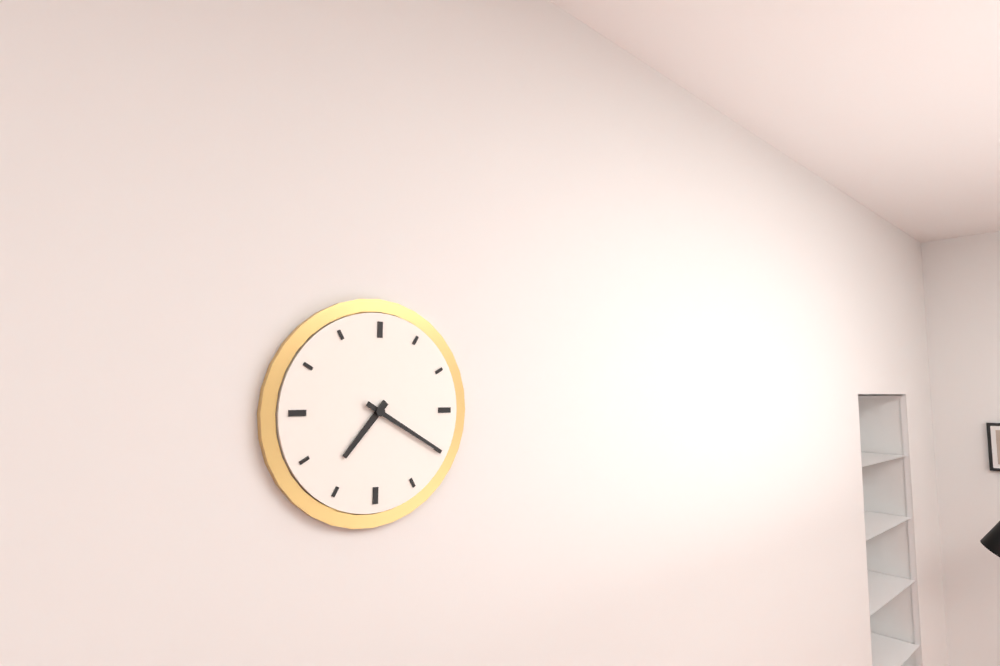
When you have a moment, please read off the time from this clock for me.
7:20
